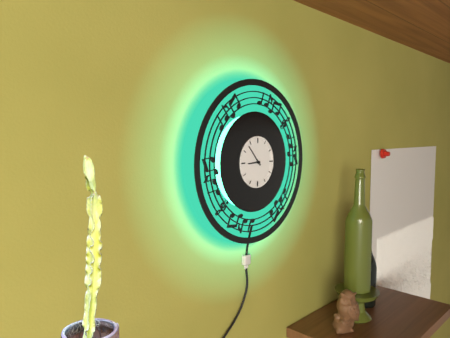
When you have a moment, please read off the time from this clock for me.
8:53
